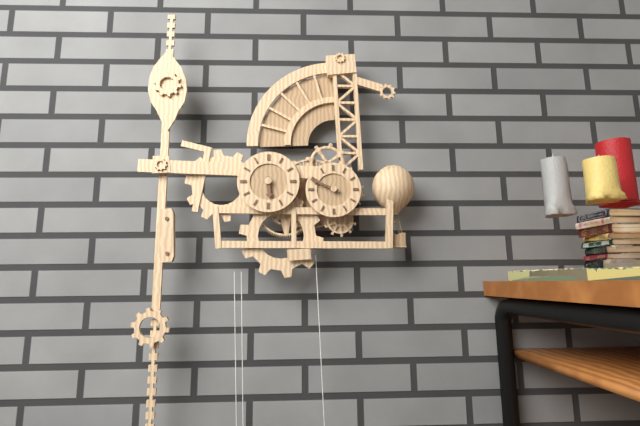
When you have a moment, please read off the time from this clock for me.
5:49
